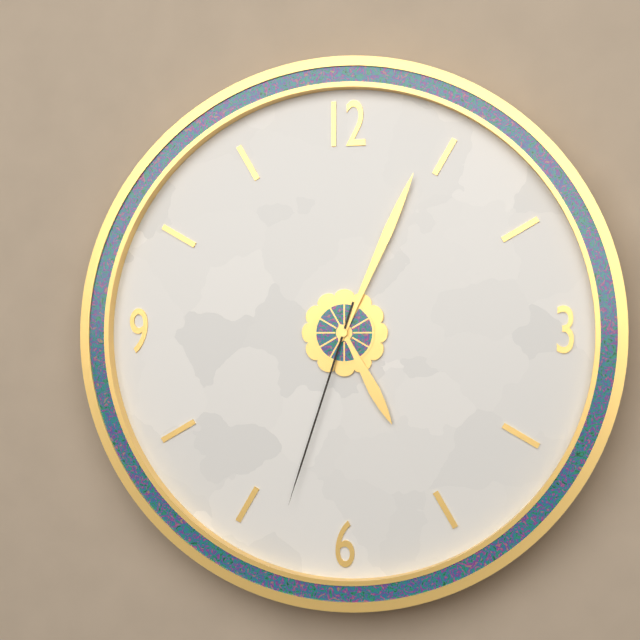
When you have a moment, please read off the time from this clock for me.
5:04:33
